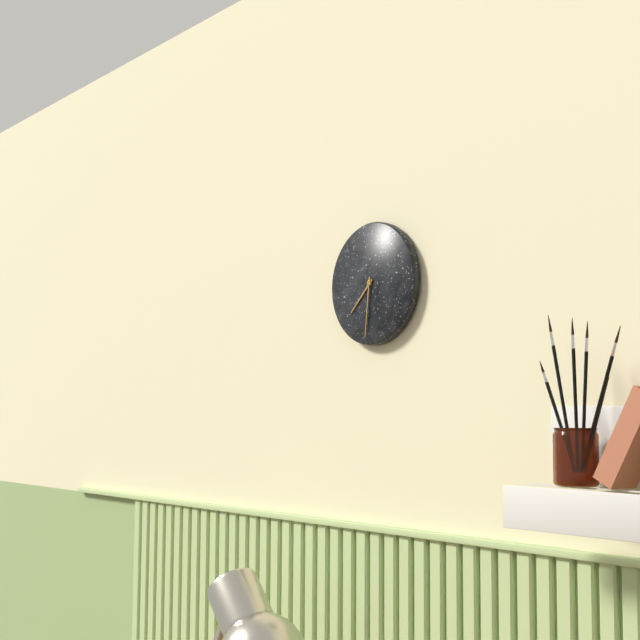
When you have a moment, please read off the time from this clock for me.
7:31
